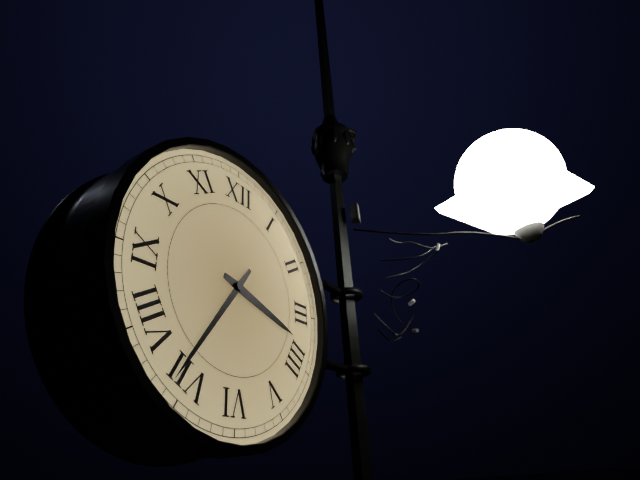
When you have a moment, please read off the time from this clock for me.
3:36
